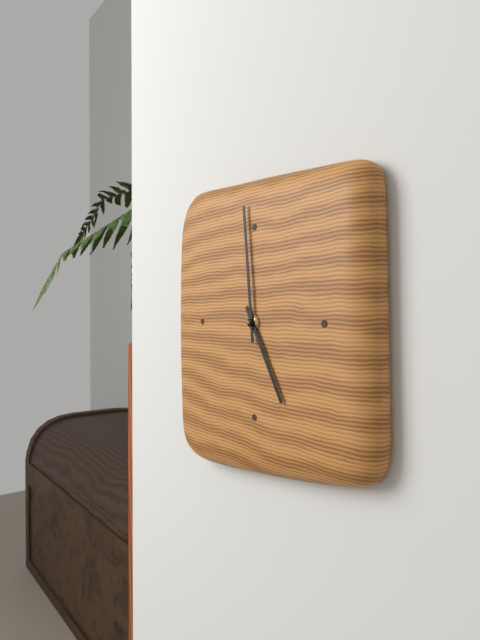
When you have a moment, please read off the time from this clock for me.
4:59
